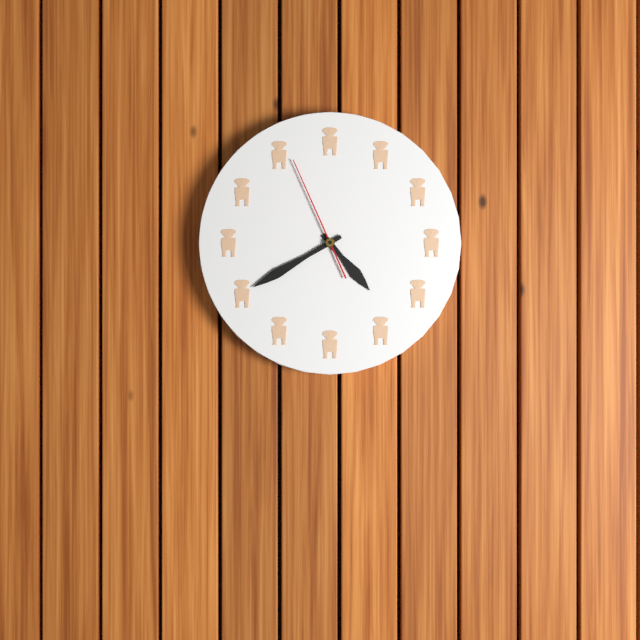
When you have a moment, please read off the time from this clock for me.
4:40:56
